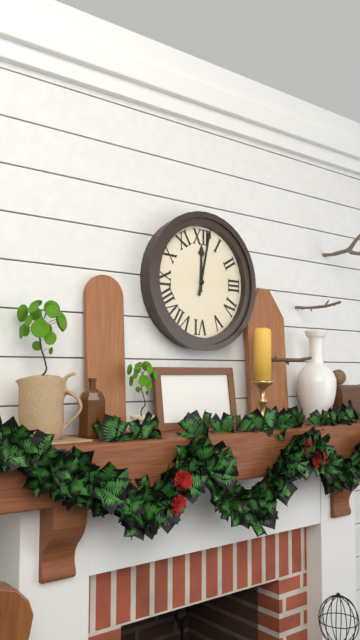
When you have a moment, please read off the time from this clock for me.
12:02
